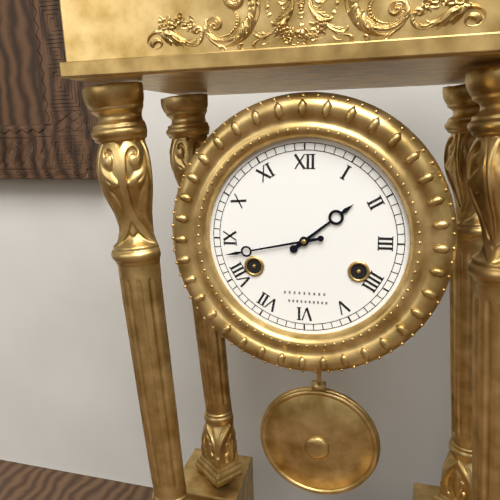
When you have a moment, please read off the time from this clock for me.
1:43
